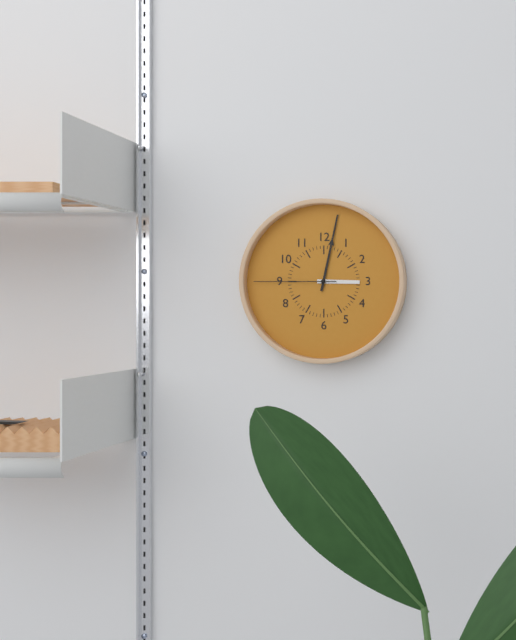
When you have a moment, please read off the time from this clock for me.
3:02:45
